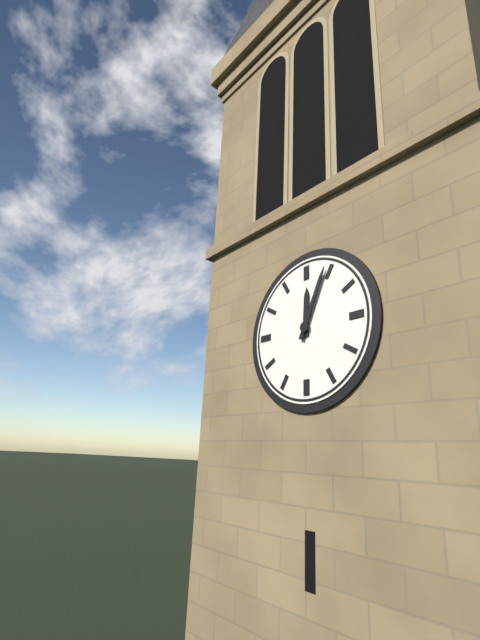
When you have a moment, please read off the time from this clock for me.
12:04
